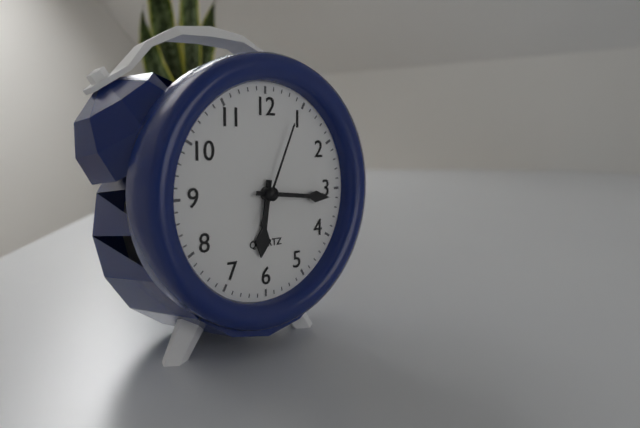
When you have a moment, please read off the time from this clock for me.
6:16:04
